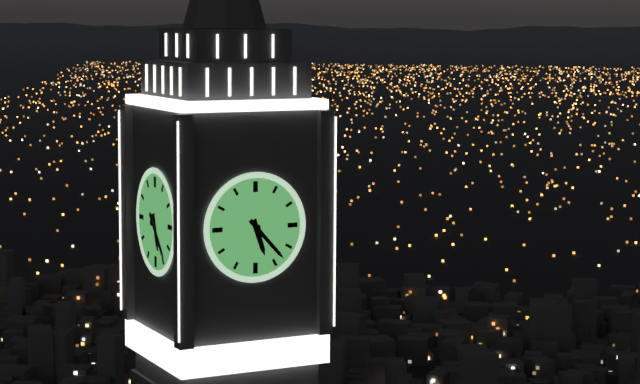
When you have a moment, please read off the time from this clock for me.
5:23
